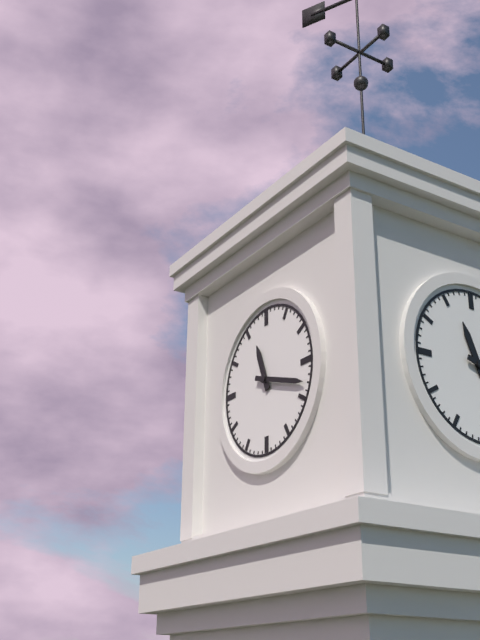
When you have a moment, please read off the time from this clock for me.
11:18
